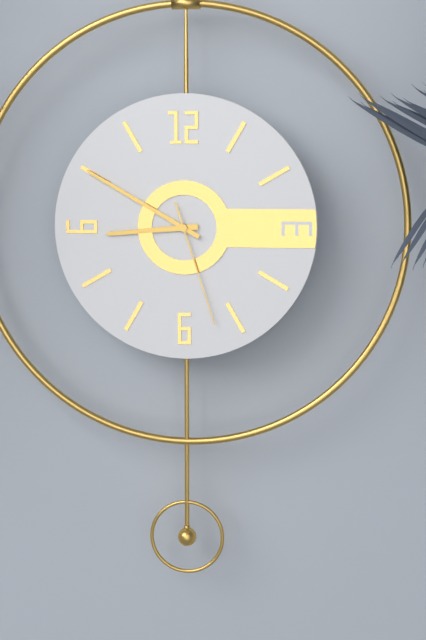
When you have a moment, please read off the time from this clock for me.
8:50:27
